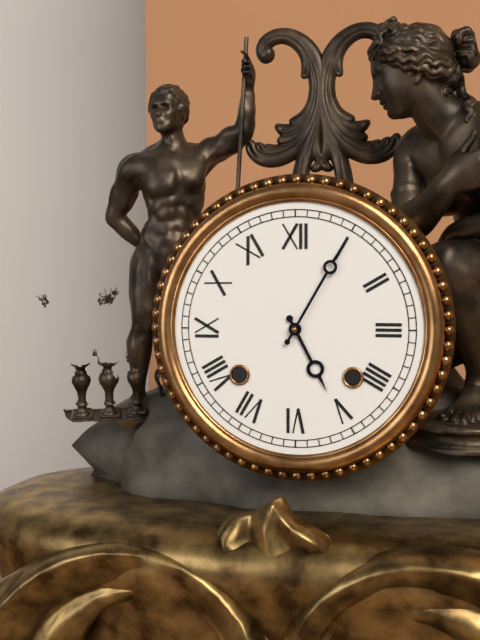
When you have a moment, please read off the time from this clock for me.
5:05
